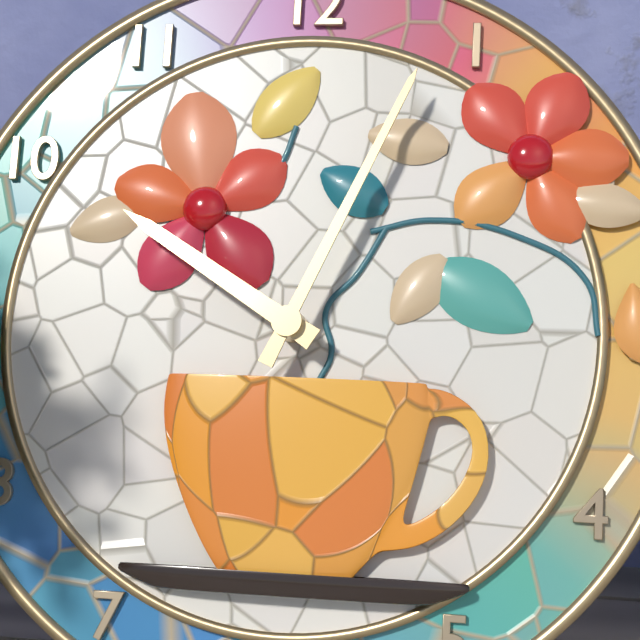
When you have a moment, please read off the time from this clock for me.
10:04
